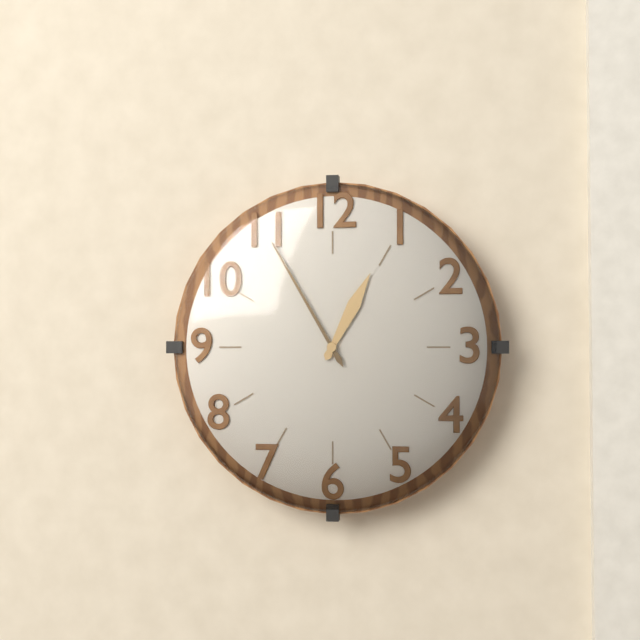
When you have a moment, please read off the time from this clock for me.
12:55
